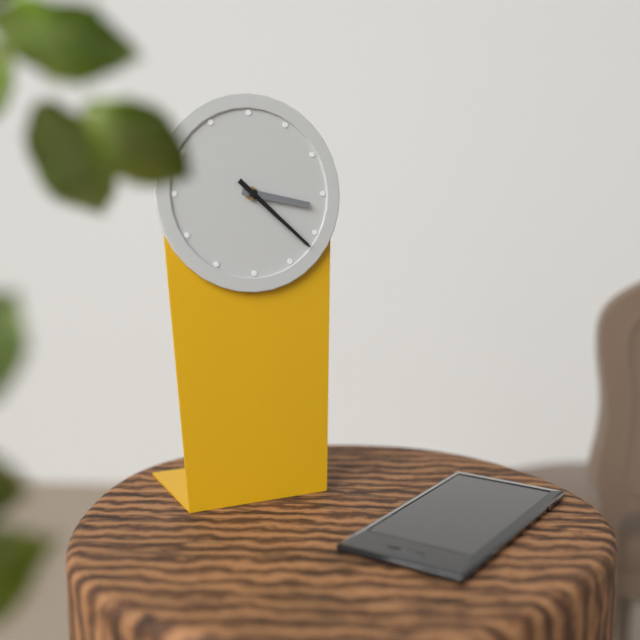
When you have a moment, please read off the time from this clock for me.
3:22
